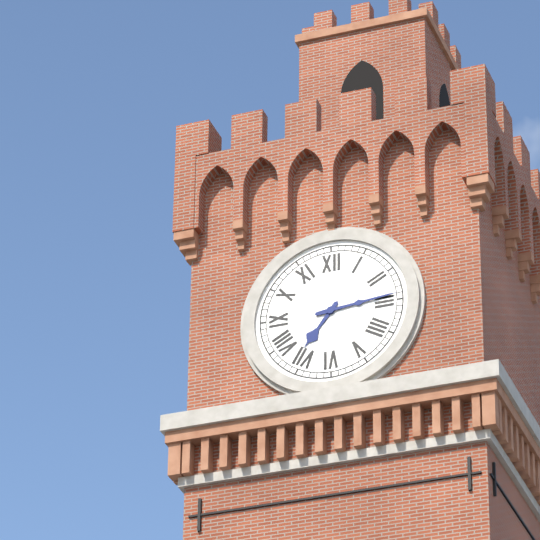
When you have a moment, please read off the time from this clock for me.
7:14
